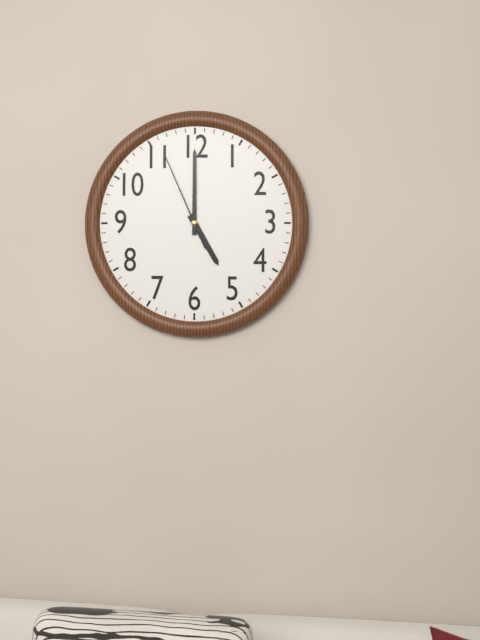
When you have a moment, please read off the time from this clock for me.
5:00:56
